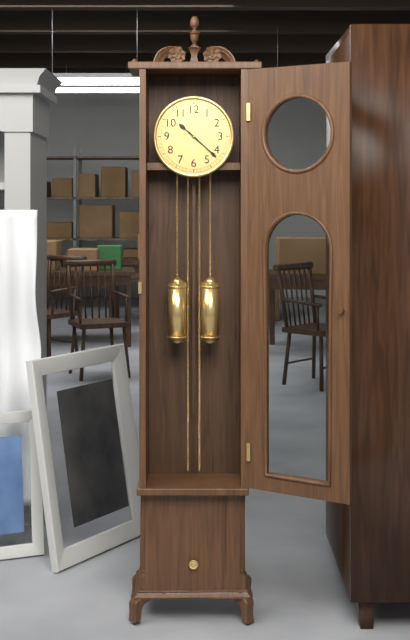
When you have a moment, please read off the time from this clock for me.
10:22
